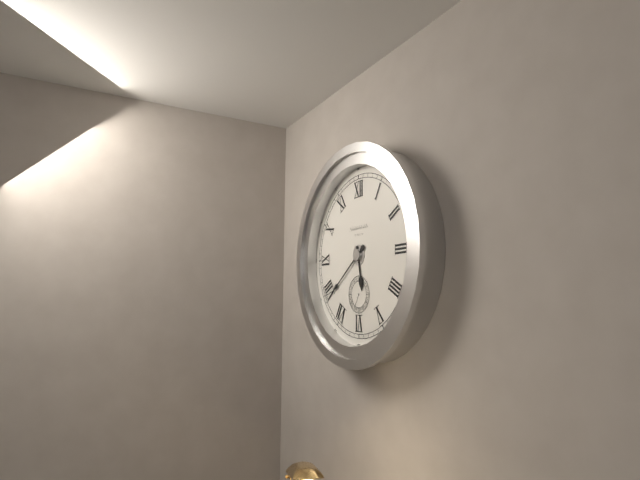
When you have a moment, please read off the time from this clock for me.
5:39
